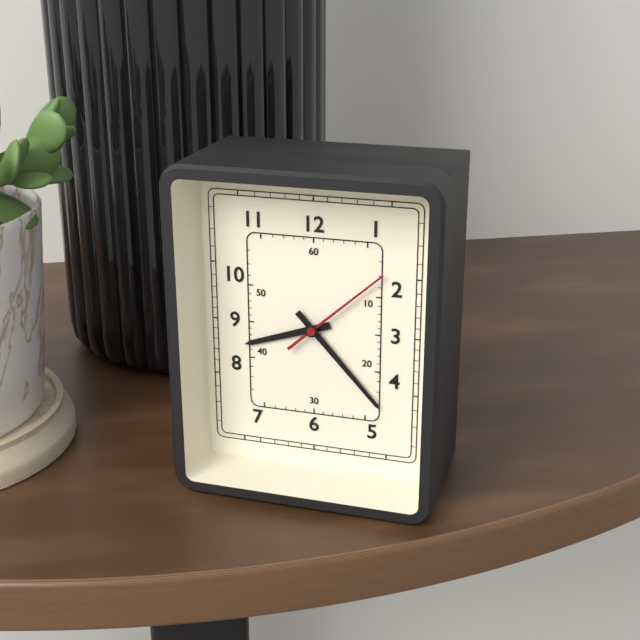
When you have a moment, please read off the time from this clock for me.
8:23:08
